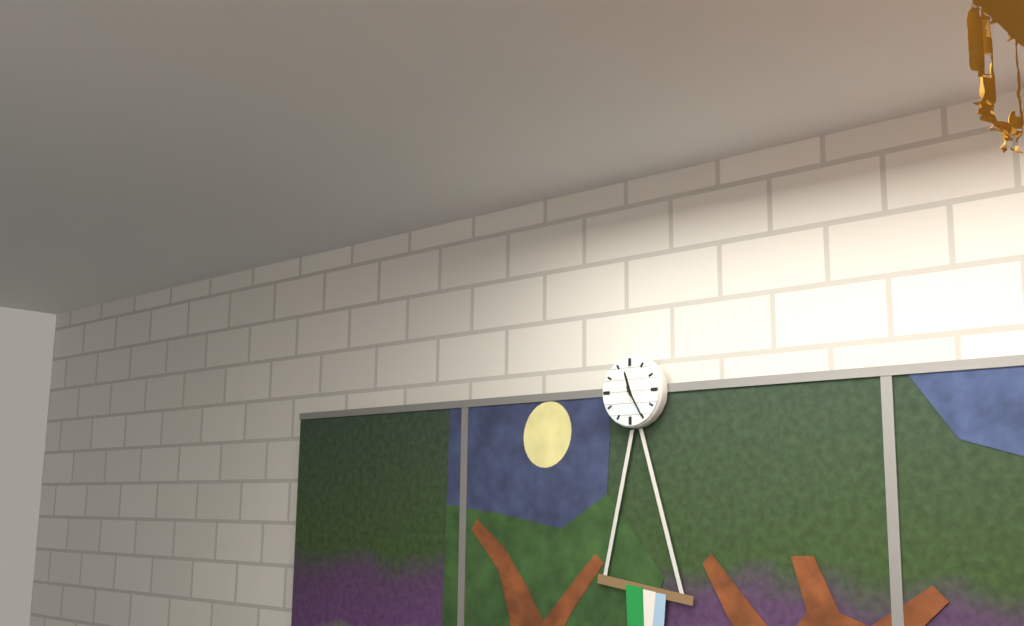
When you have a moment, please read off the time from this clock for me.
11:25
